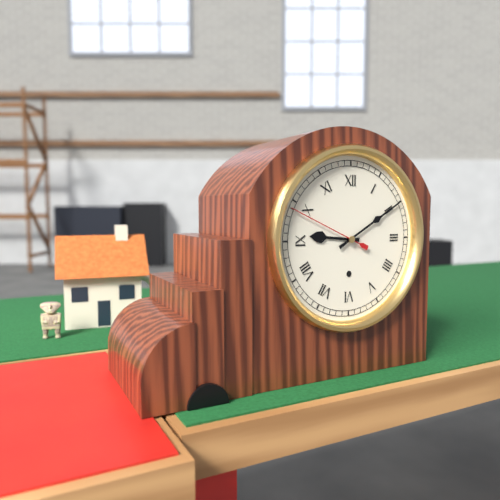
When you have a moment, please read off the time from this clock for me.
9:10:49
